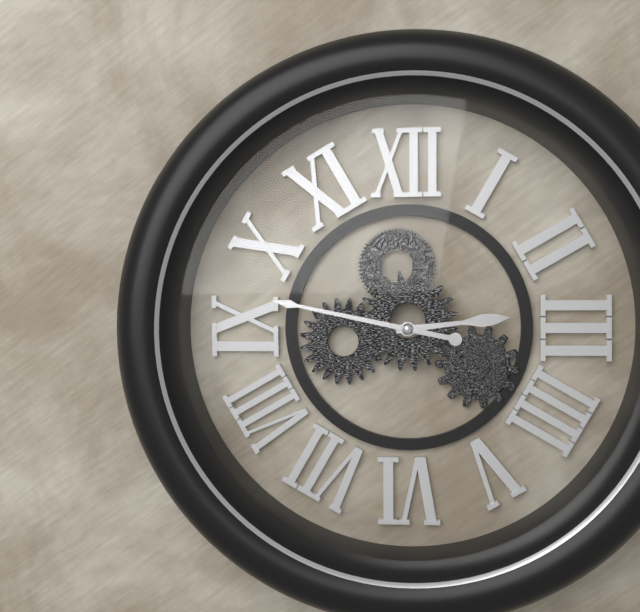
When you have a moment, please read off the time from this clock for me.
2:47
